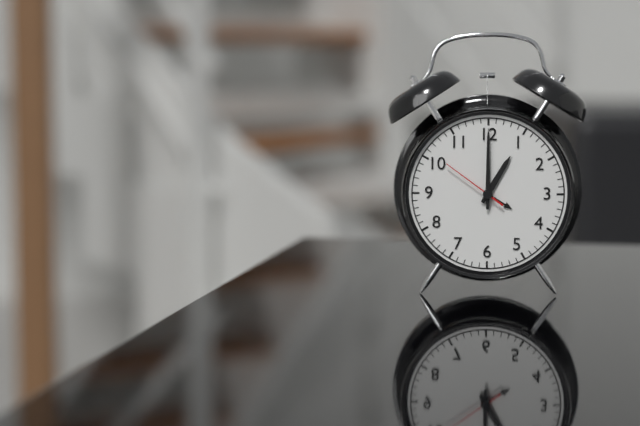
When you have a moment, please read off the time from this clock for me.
1:00:51
